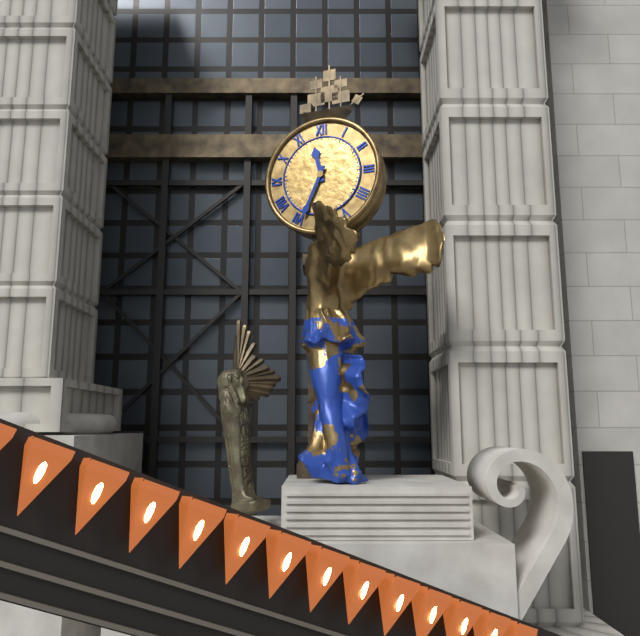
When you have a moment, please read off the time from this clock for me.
11:34
